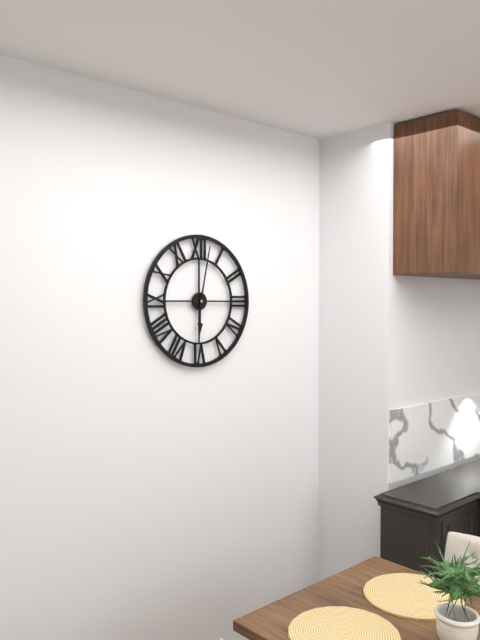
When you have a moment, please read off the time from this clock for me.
6:02
